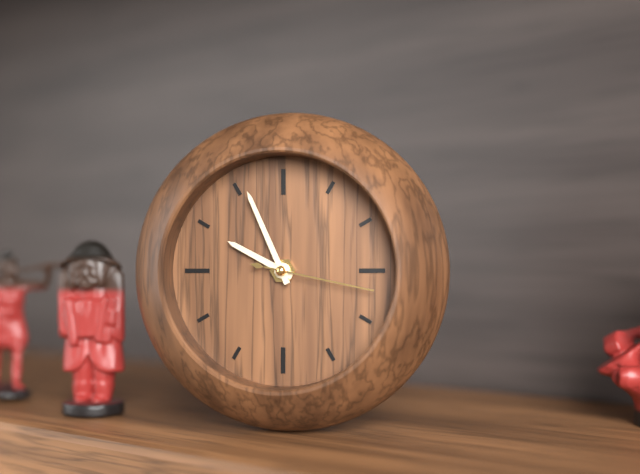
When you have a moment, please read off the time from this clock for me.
9:56:17
